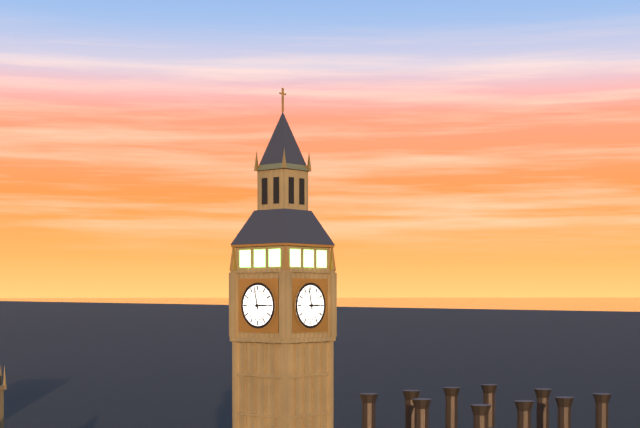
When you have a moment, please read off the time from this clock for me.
2:58
